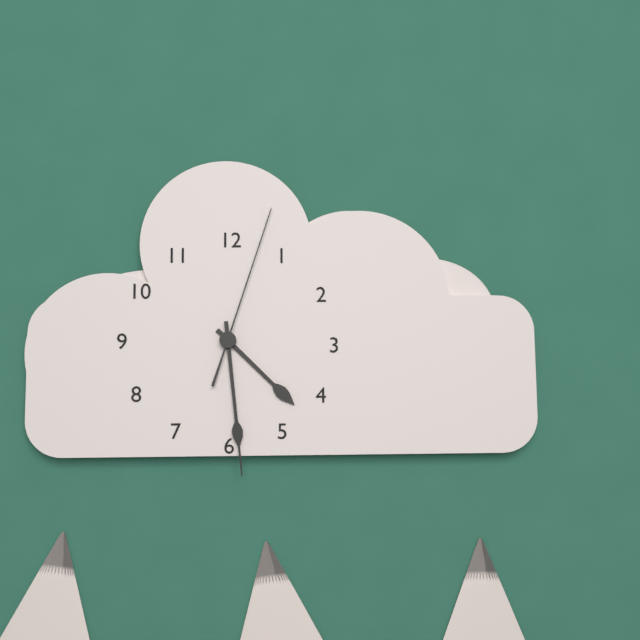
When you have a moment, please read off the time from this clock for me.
4:29:03
